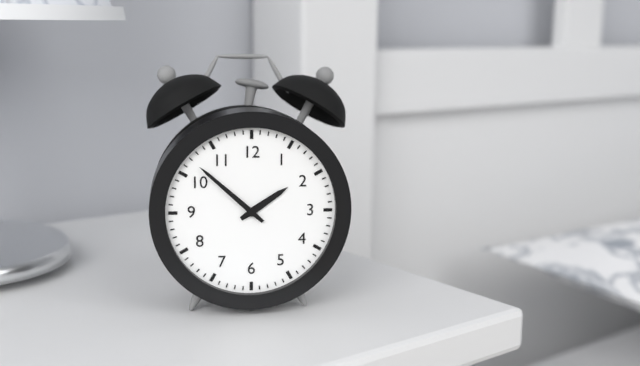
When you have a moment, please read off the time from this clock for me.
1:52
